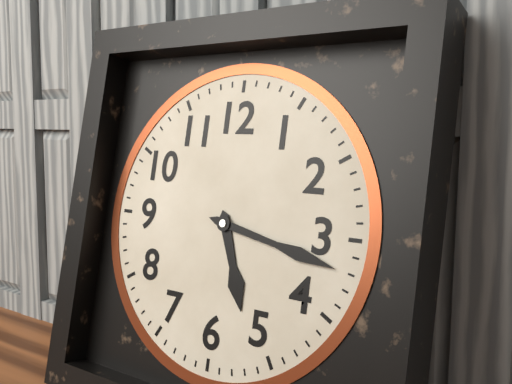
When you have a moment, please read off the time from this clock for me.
5:17
